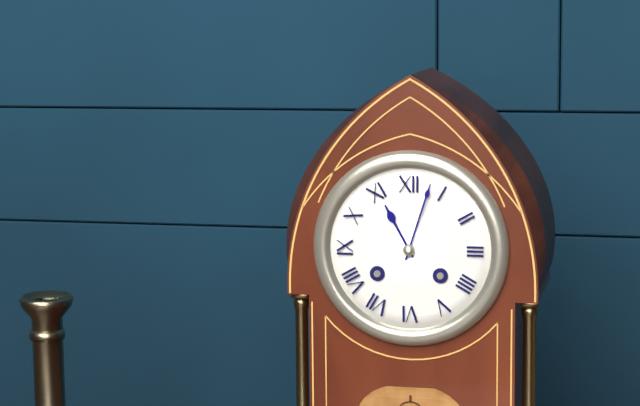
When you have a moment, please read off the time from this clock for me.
11:03
